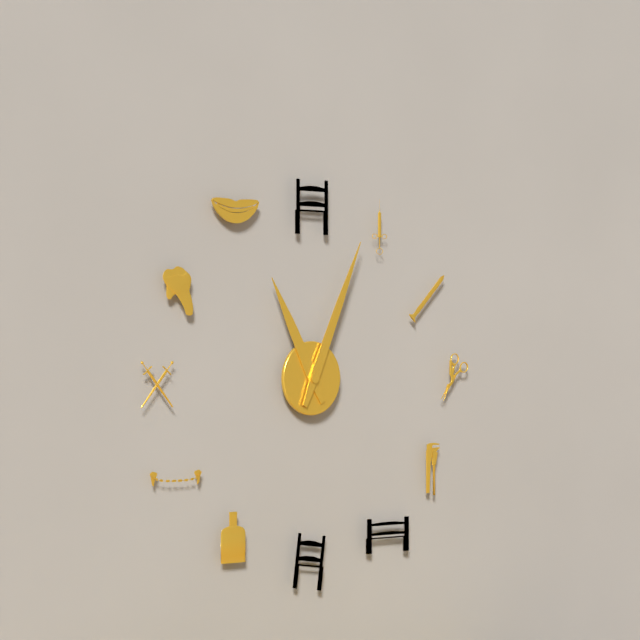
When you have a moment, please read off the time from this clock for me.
11:04
